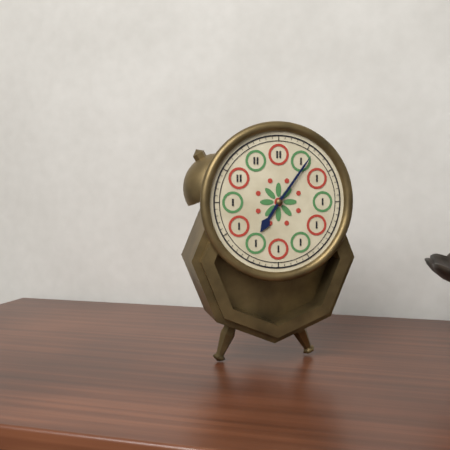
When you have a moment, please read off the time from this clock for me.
7:06
